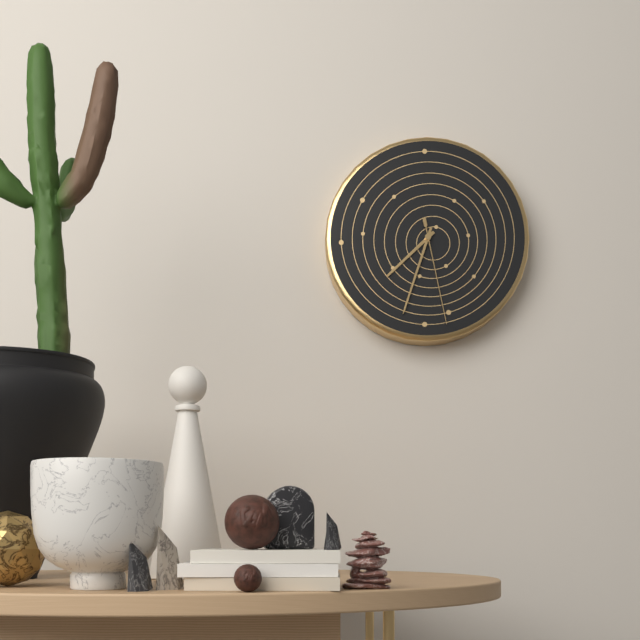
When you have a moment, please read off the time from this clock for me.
7:33:28
